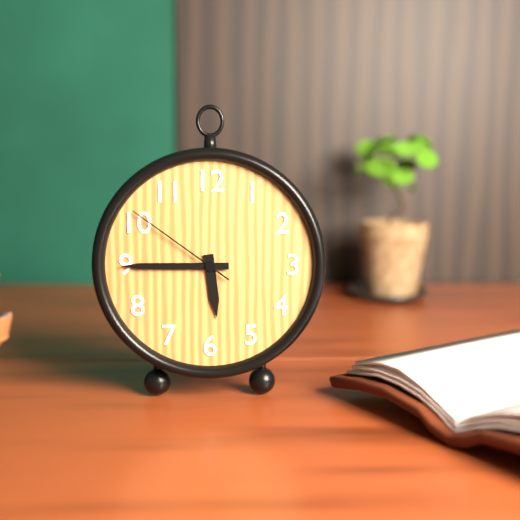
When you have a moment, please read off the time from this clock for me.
5:45:51
